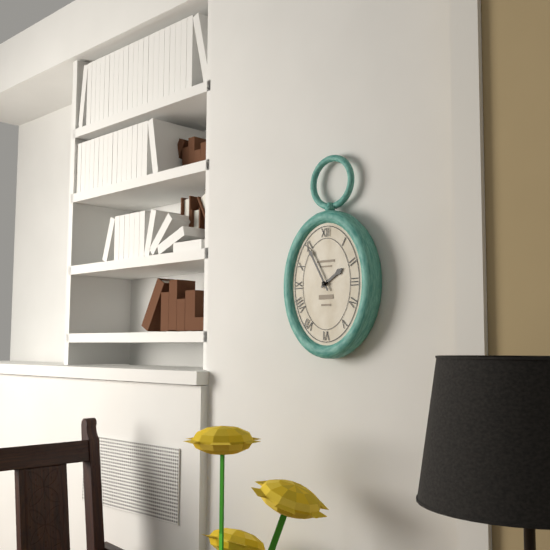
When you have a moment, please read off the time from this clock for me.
1:55
